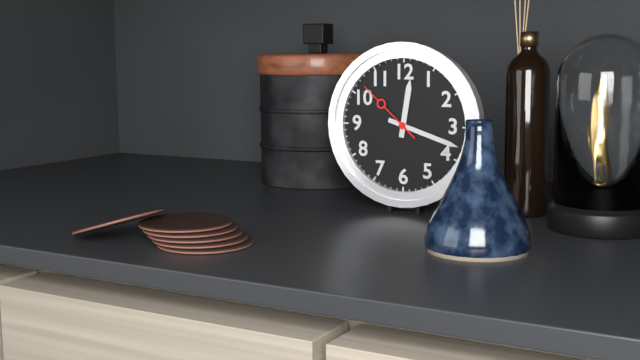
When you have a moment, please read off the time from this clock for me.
12:18:52
